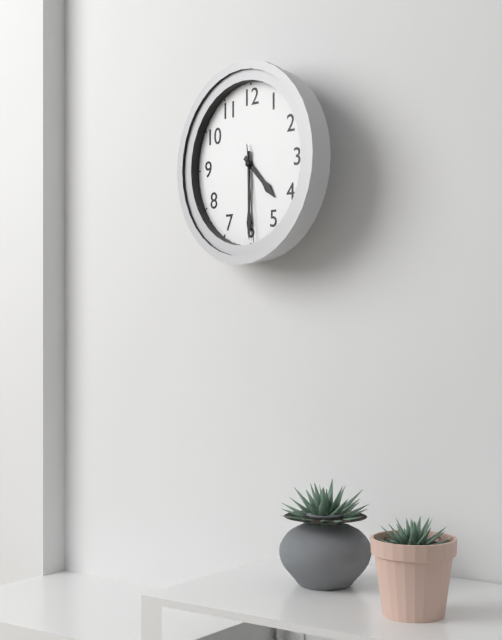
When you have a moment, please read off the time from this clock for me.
4:30:29
